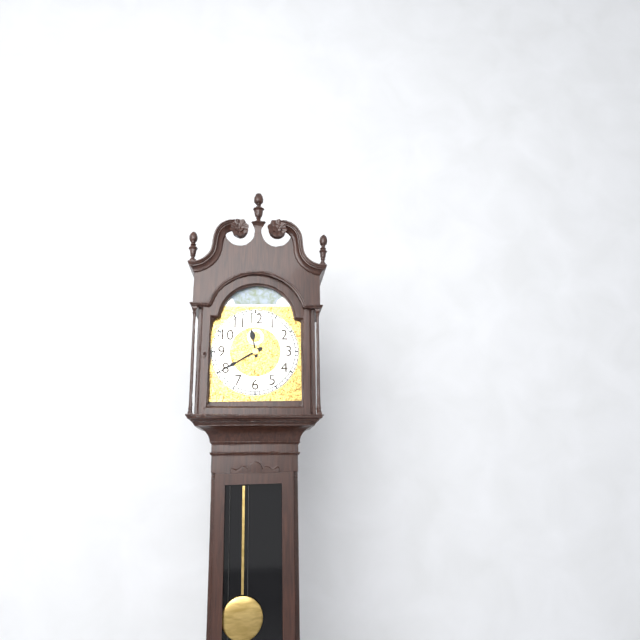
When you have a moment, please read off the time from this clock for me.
11:40
